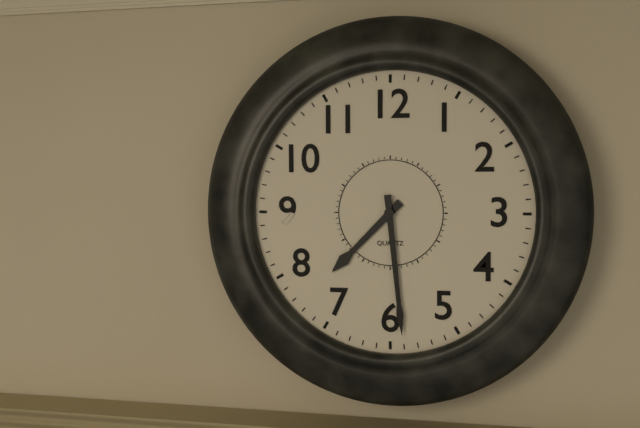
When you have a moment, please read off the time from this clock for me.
7:29
